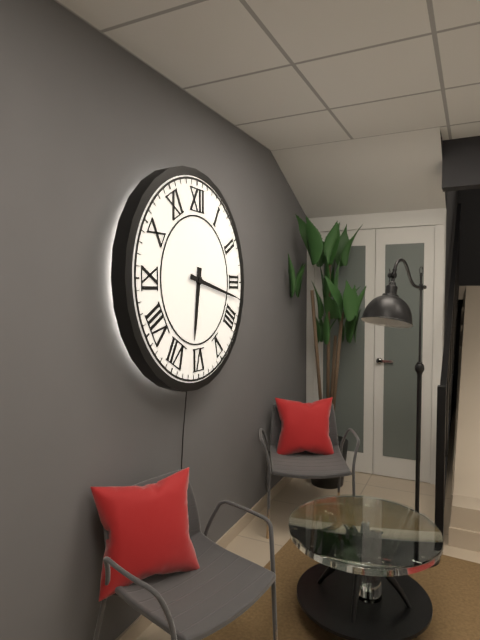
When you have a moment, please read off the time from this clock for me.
6:17
